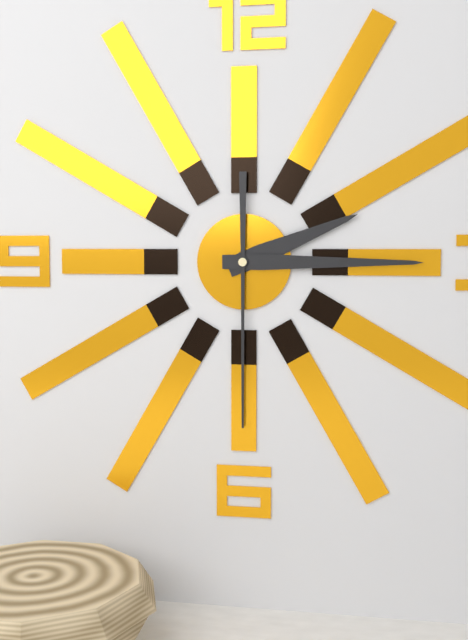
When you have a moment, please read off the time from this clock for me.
2:15:30
